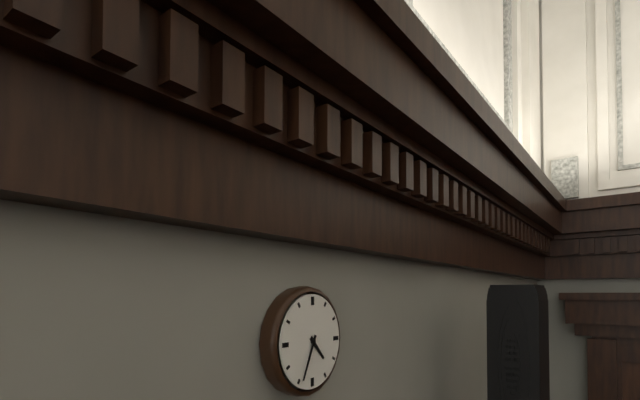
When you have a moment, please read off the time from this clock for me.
4:34
